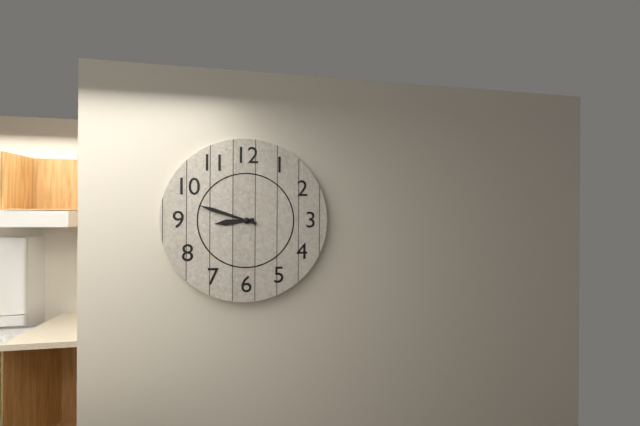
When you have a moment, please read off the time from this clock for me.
8:48
